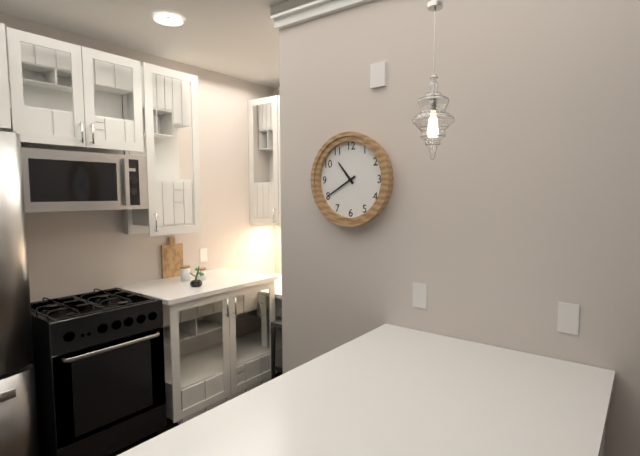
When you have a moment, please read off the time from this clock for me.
10:40
